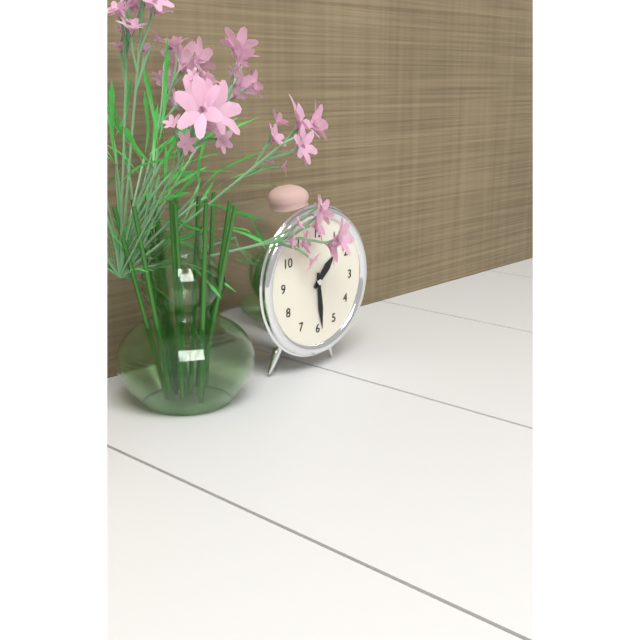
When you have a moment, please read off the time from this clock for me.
1:29
